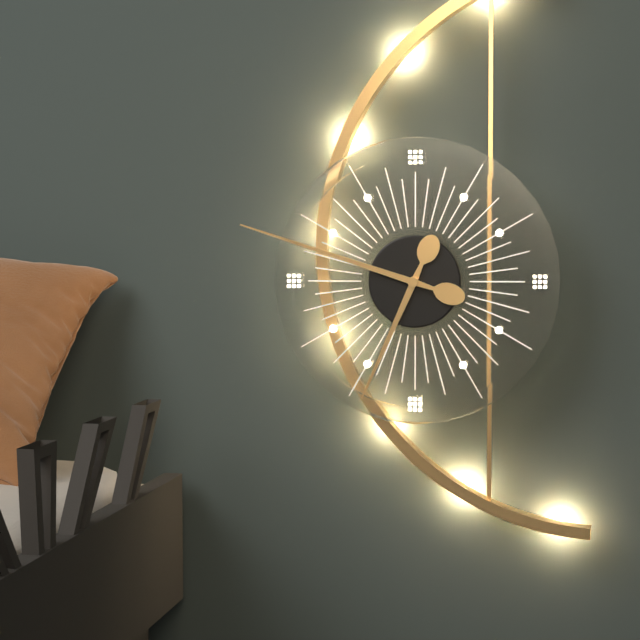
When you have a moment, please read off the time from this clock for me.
6:48
